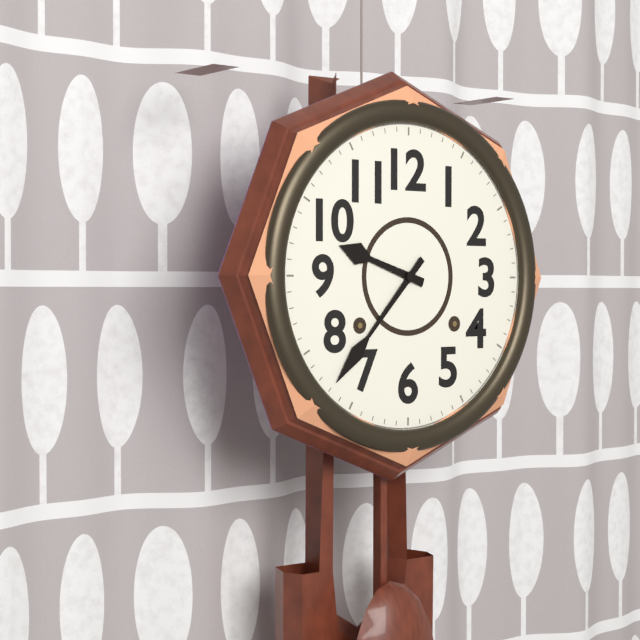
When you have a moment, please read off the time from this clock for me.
9:37
